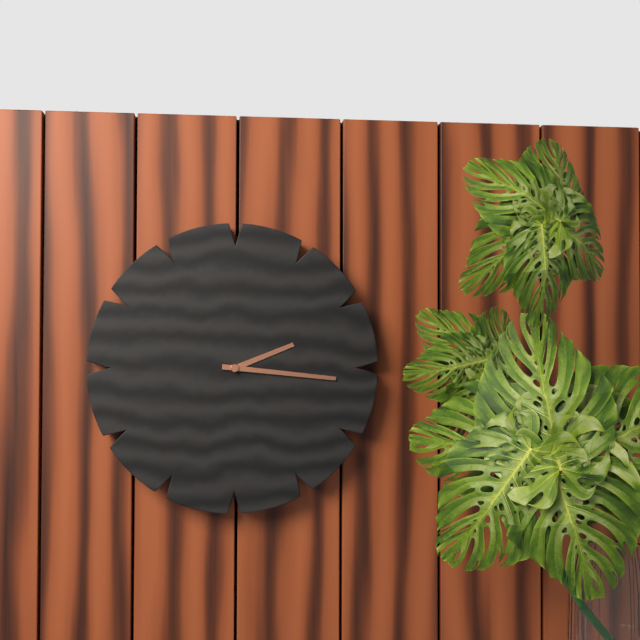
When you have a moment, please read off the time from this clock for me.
2:16
